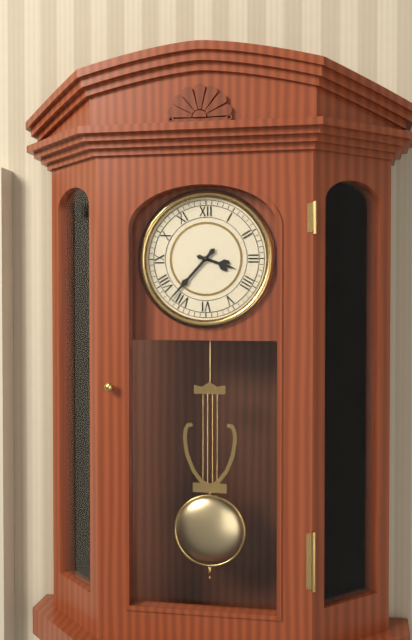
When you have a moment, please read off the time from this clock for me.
3:37
